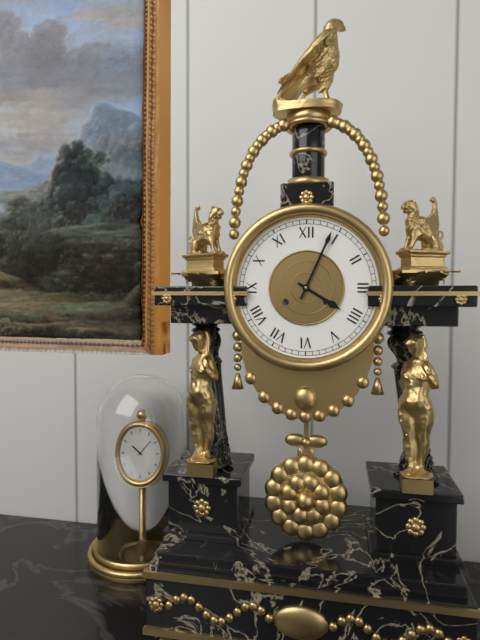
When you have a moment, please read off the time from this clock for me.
4:04
